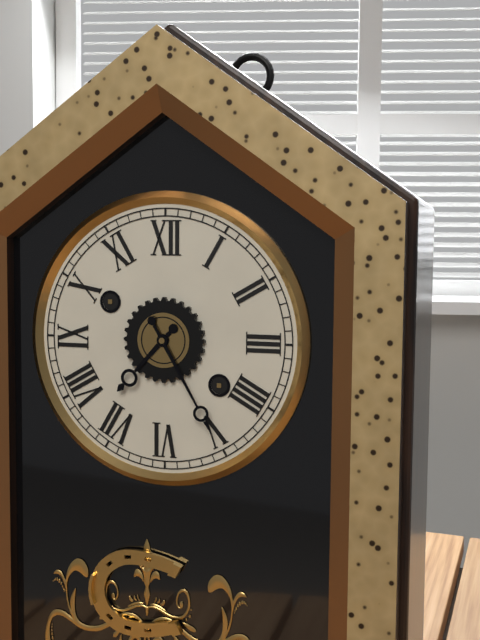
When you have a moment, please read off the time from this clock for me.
7:25
